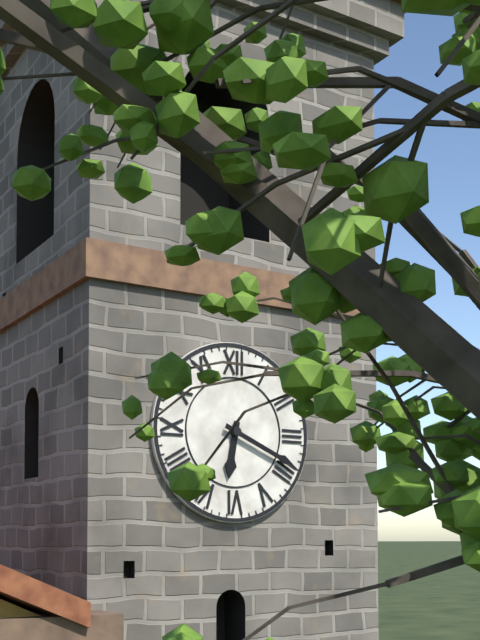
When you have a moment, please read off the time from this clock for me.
6:19
